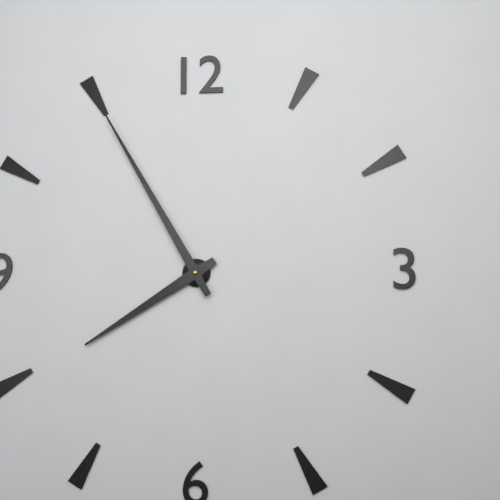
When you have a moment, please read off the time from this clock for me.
7:55
